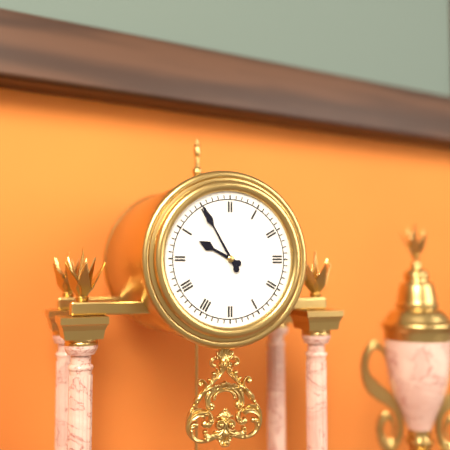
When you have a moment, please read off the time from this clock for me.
9:55
